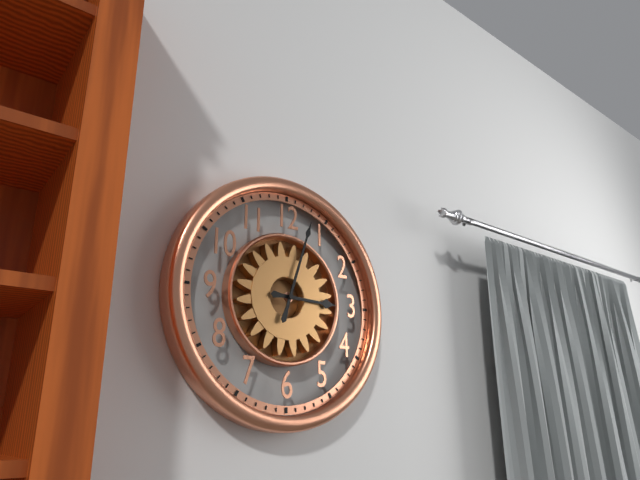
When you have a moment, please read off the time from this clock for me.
3:03
